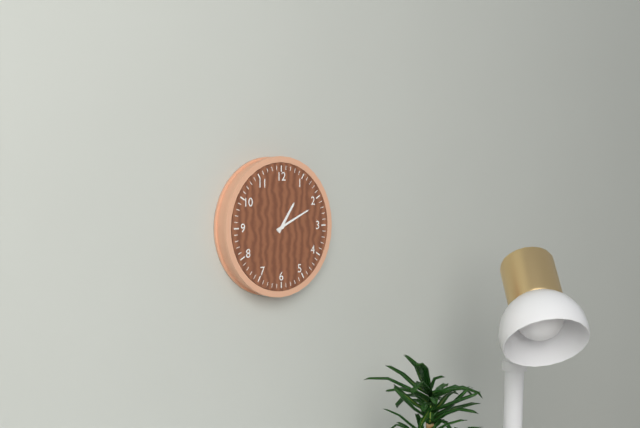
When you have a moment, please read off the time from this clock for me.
1:11
